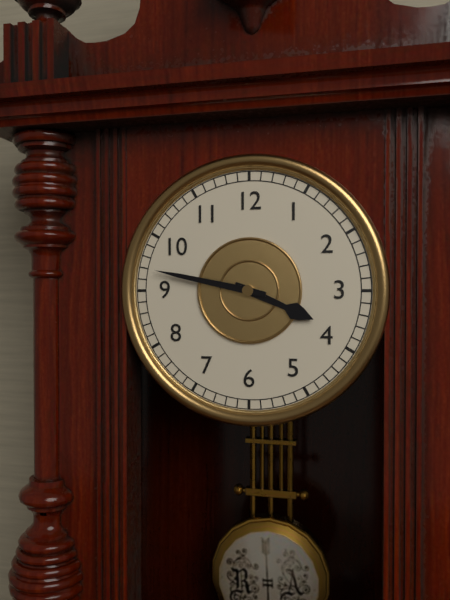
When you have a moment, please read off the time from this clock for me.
3:47
